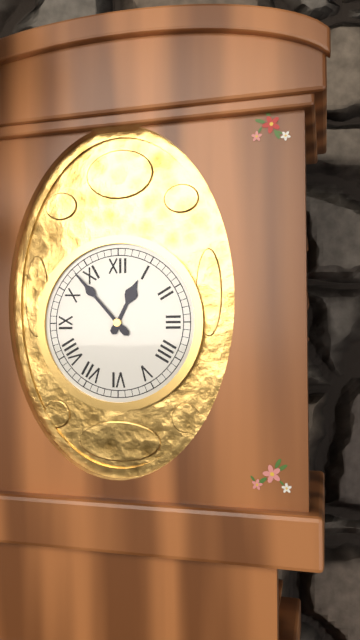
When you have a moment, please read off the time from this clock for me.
12:53
